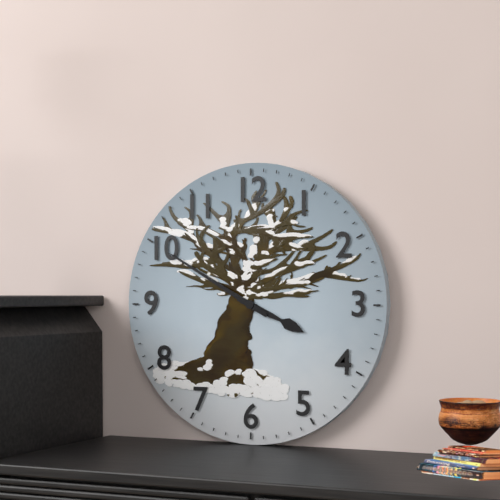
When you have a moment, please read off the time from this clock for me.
3:50
